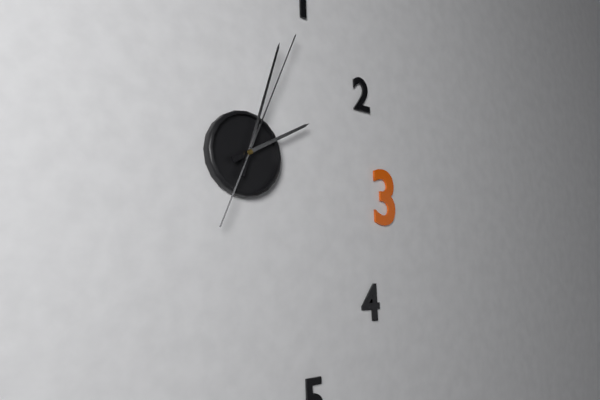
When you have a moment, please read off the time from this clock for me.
2:03:04
